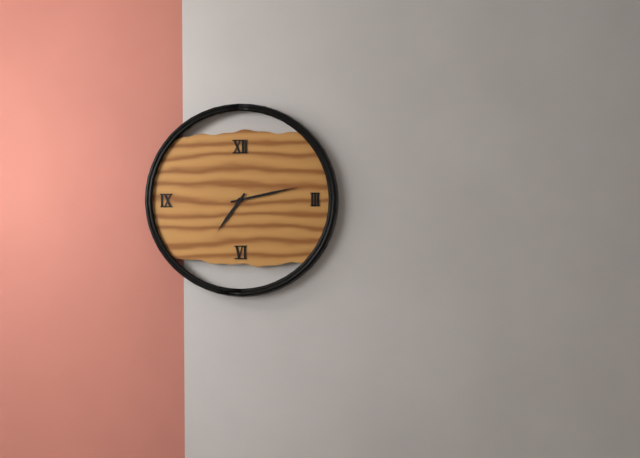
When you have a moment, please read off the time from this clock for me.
7:13
